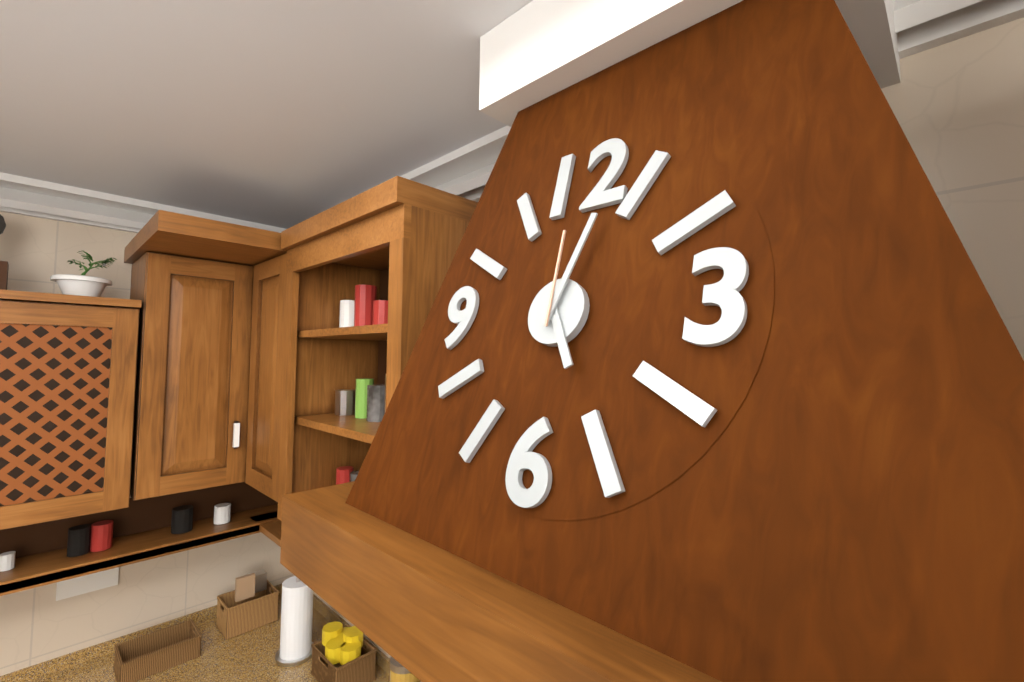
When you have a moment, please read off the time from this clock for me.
5:03:00
